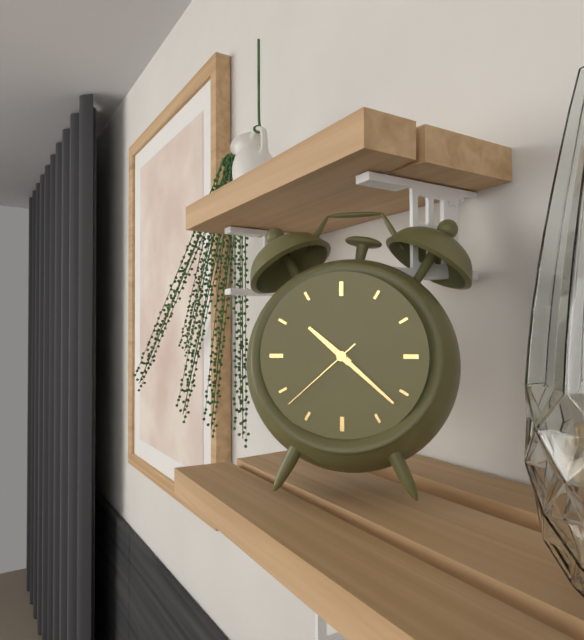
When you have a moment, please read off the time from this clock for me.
10:22:38
